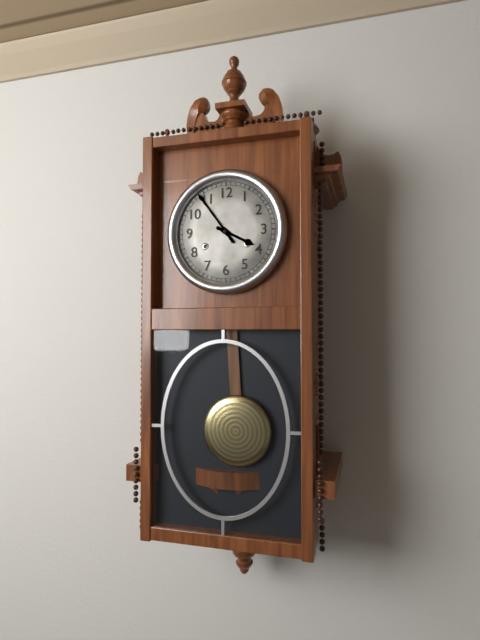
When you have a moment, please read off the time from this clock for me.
3:54
